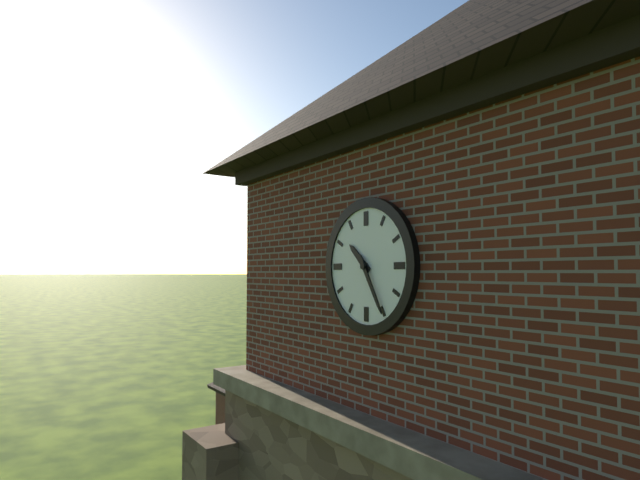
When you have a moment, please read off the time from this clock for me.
10:25
